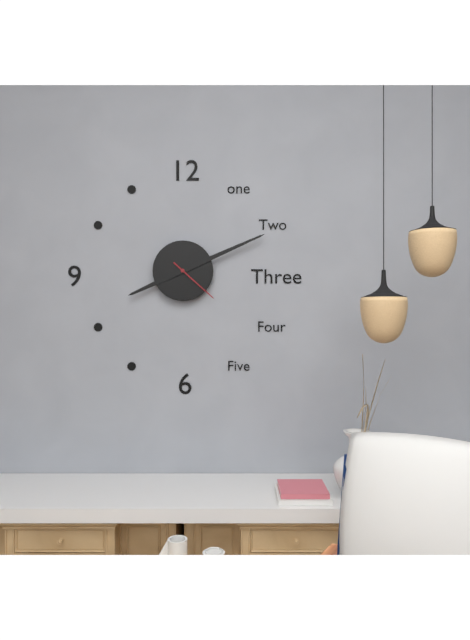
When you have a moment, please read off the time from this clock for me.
8:11:22
